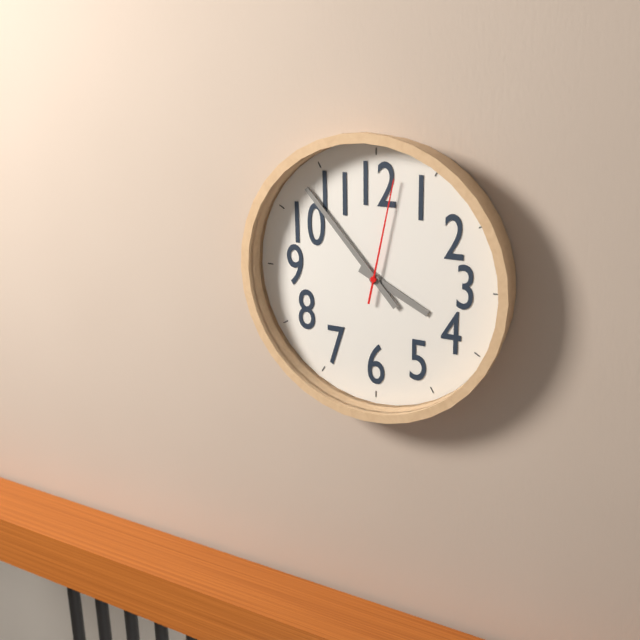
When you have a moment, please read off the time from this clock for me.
3:53:02
